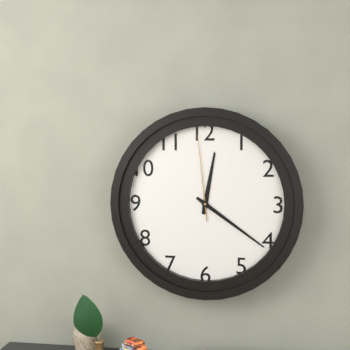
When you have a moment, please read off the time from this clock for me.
12:21:59
